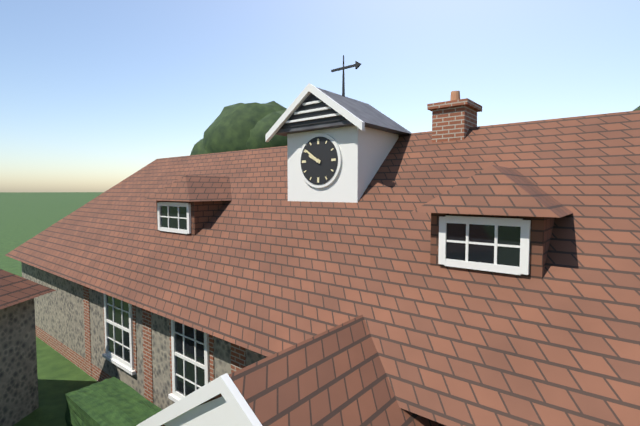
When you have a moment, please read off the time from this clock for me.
9:51
